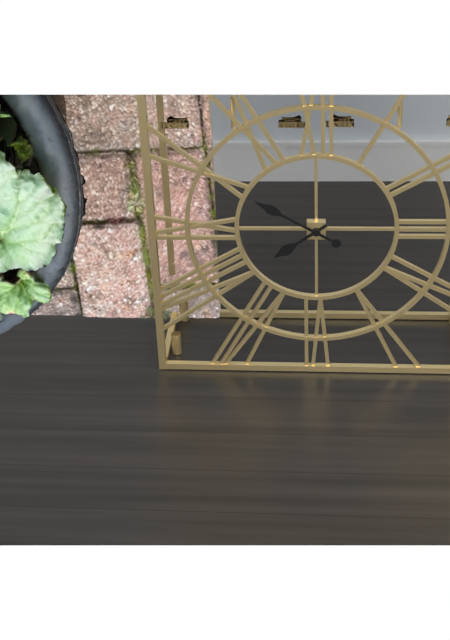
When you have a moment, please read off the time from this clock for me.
7:50
